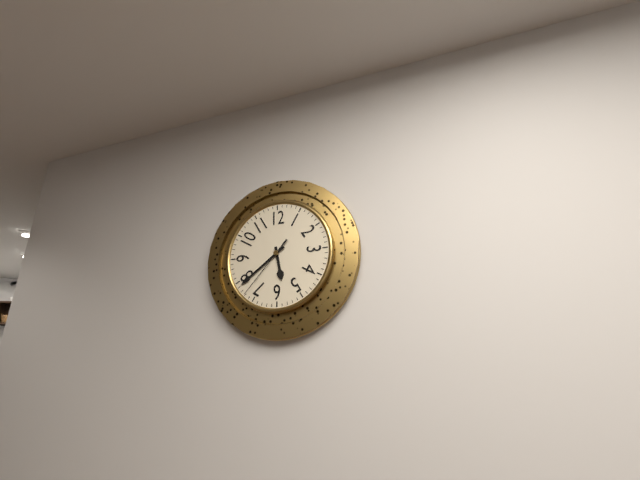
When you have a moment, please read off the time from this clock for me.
5:39:37
